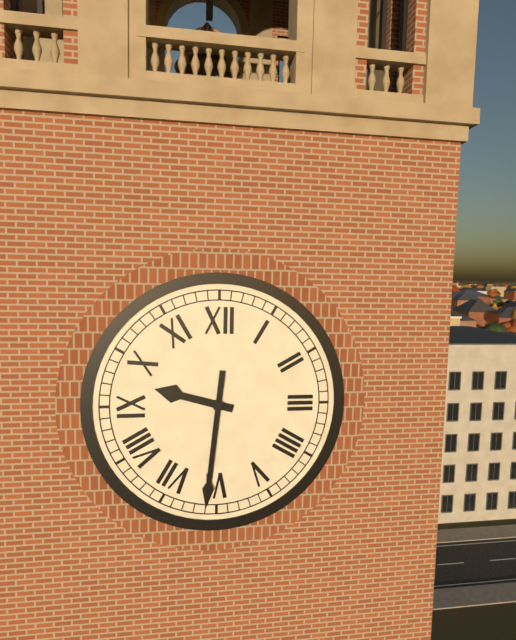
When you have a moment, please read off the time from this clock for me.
9:31
